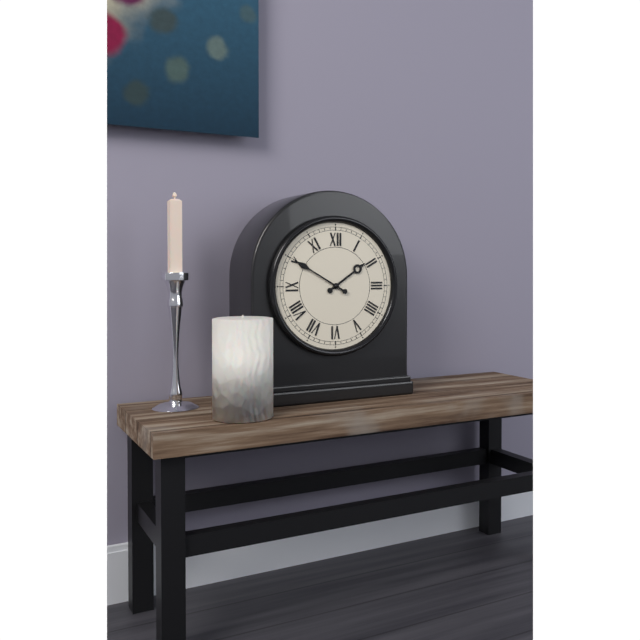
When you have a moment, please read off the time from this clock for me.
1:50
